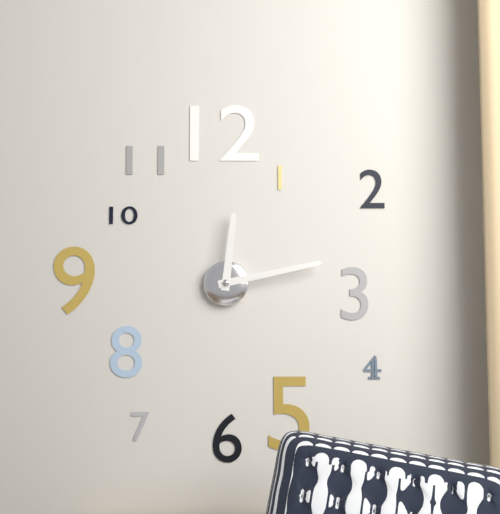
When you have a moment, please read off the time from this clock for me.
12:13
